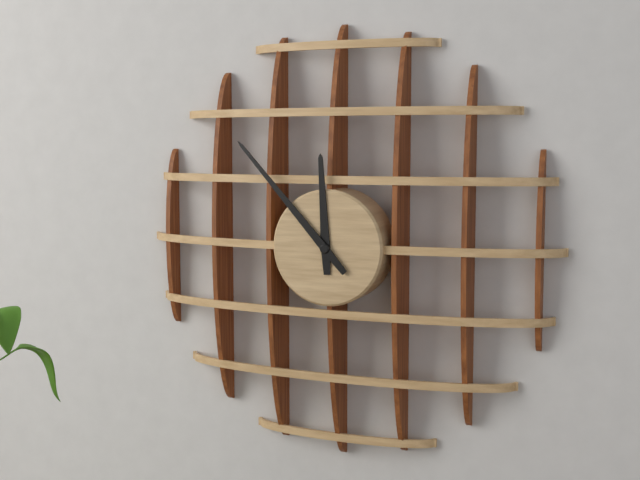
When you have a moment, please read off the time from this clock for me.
11:53
